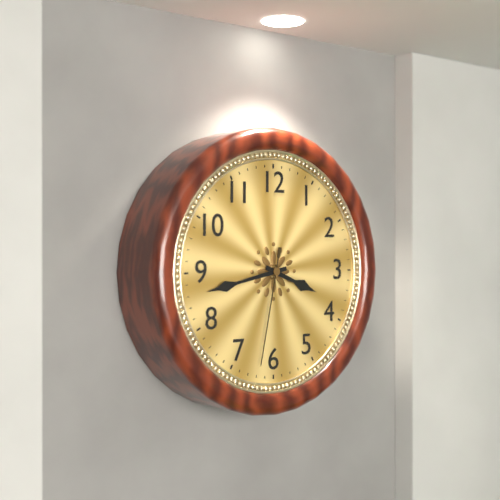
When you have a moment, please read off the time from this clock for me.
3:43:32
